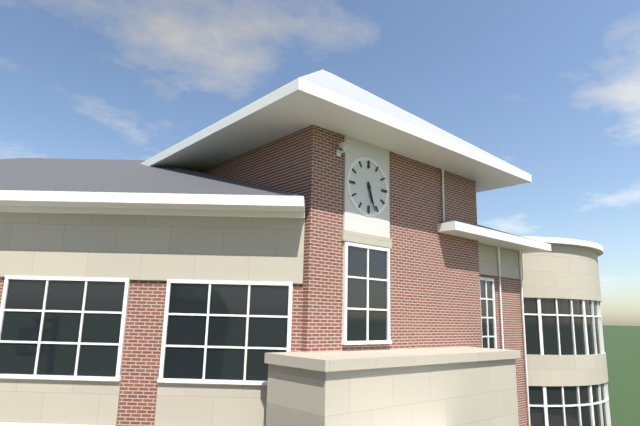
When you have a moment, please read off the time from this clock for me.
5:27
